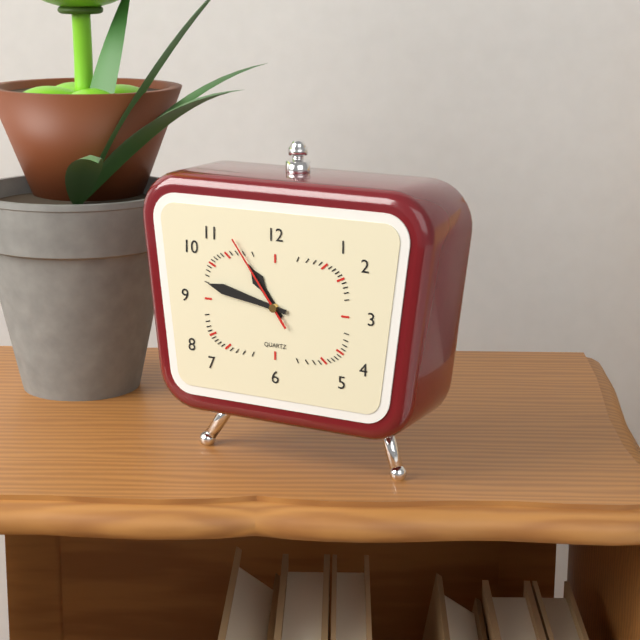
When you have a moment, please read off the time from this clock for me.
10:47:54
